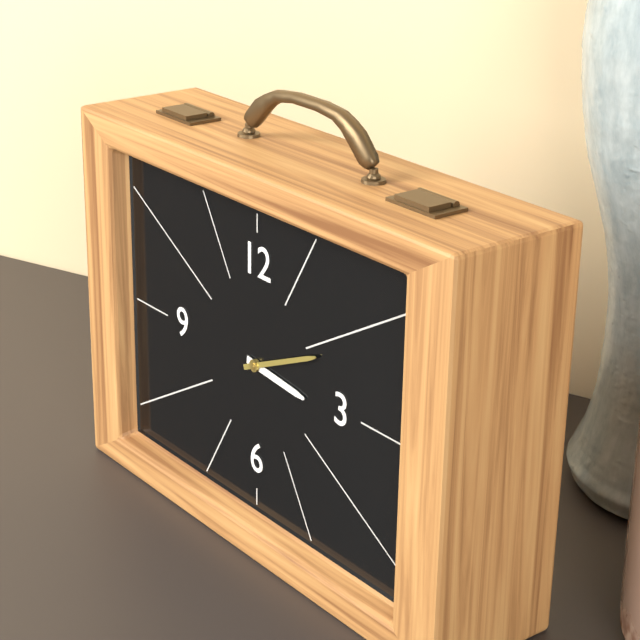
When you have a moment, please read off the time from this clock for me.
3:11
